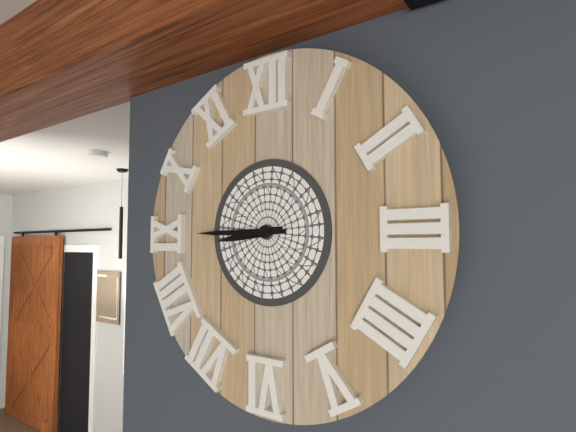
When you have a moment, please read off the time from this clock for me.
8:45
